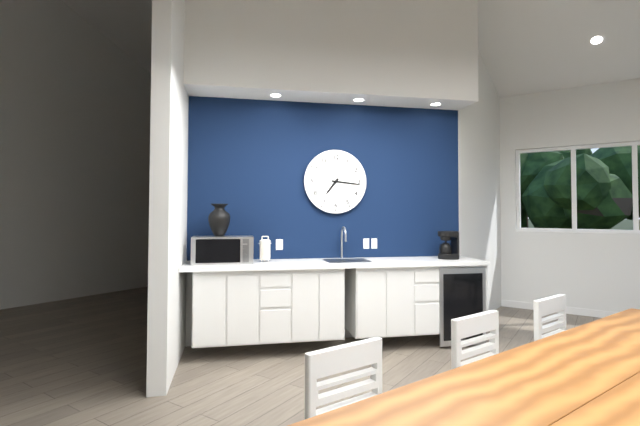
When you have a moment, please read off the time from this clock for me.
7:16
